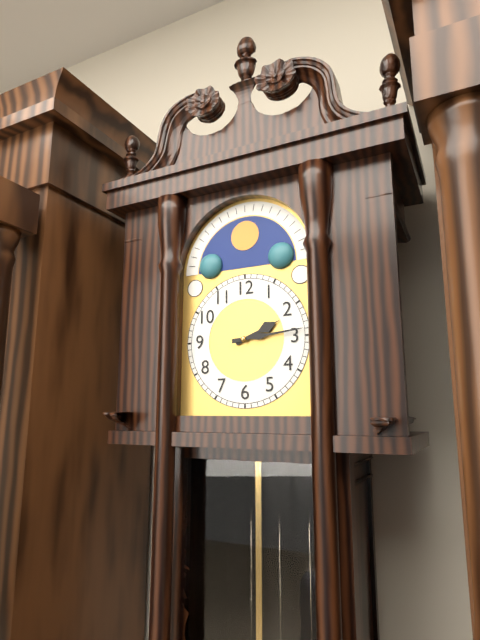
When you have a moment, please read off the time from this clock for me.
2:14
